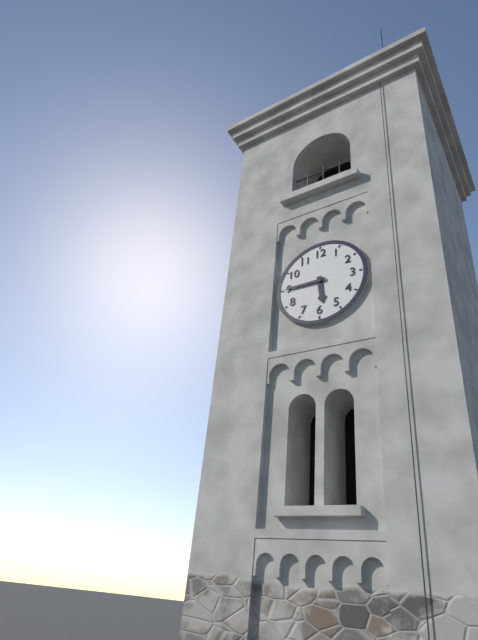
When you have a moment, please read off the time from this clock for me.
5:45
